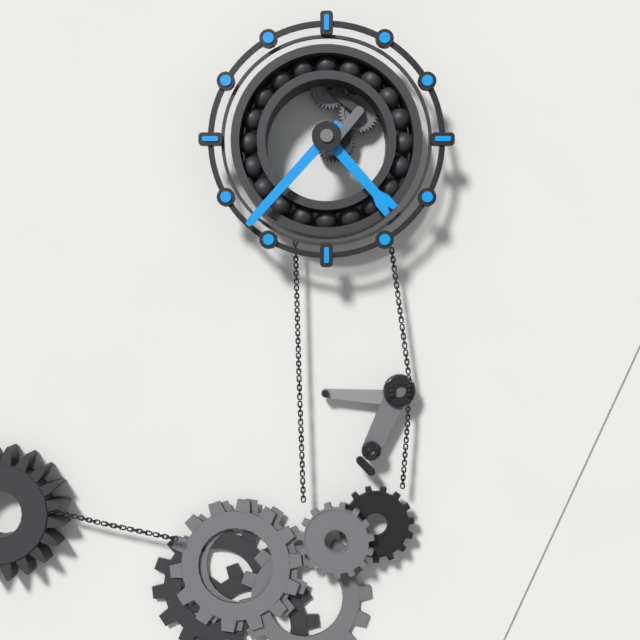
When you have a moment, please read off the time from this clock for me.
4:37
